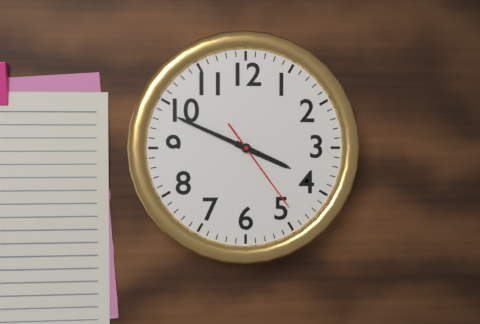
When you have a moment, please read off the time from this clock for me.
3:49:24
